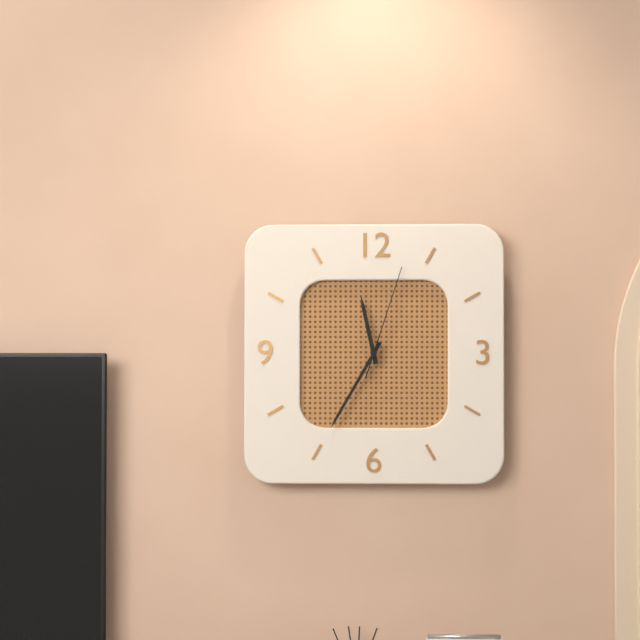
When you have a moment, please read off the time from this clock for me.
11:35:03
